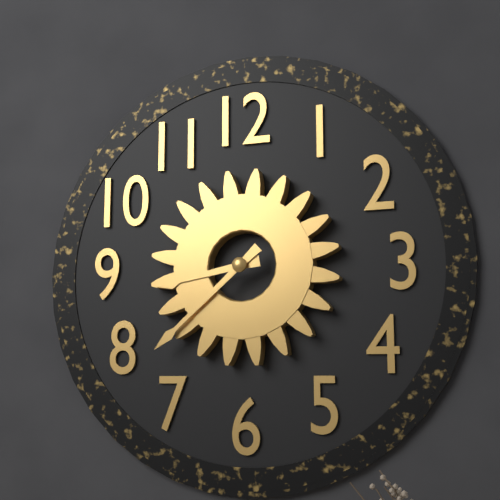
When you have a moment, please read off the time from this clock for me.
8:38
